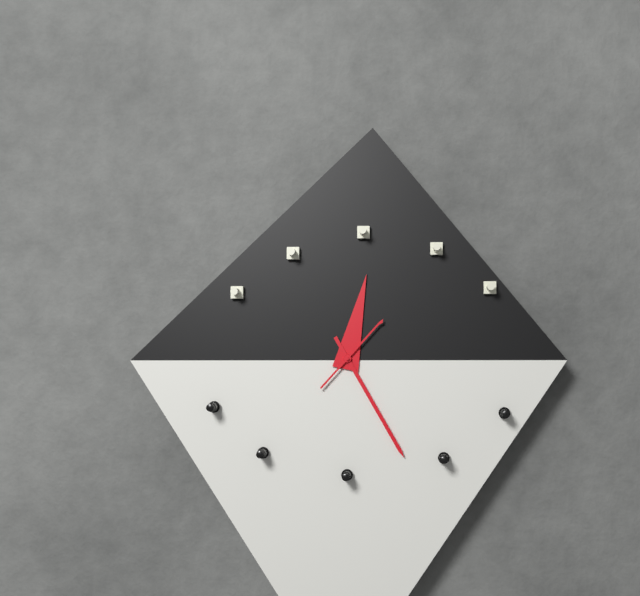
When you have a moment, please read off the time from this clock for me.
12:25:07
